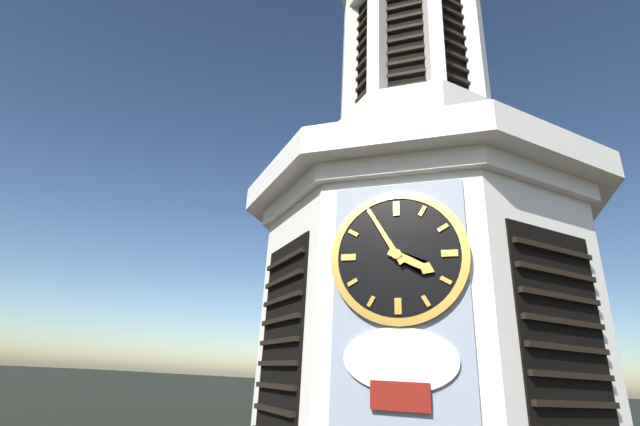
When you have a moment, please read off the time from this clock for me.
3:55
